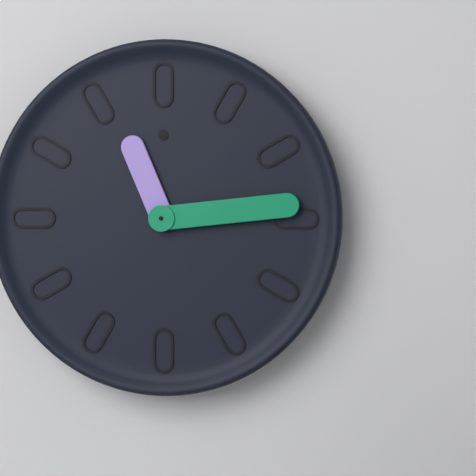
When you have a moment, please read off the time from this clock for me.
11:14
